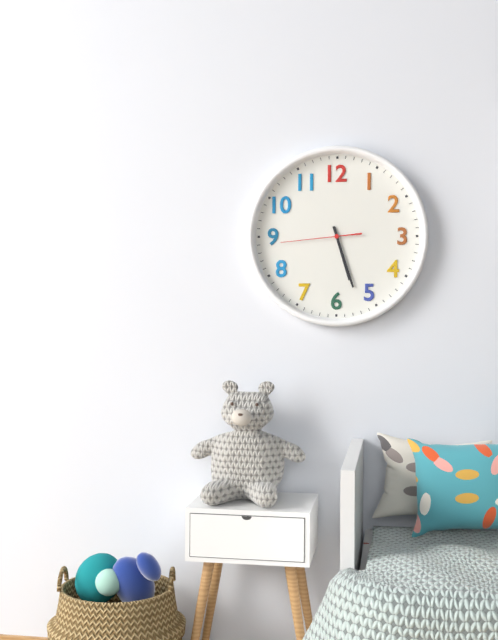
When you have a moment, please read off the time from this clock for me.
5:27:44
